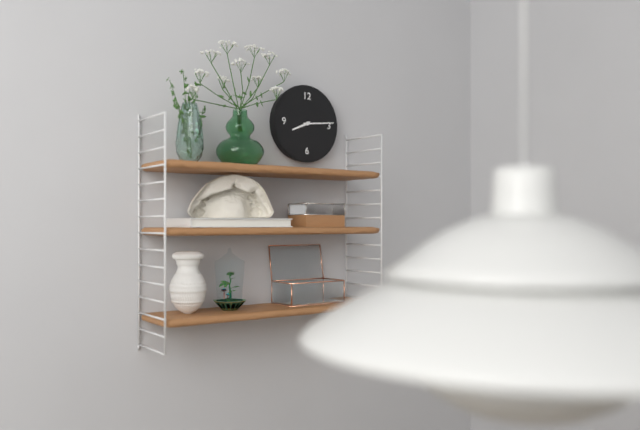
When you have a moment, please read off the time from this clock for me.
8:14
